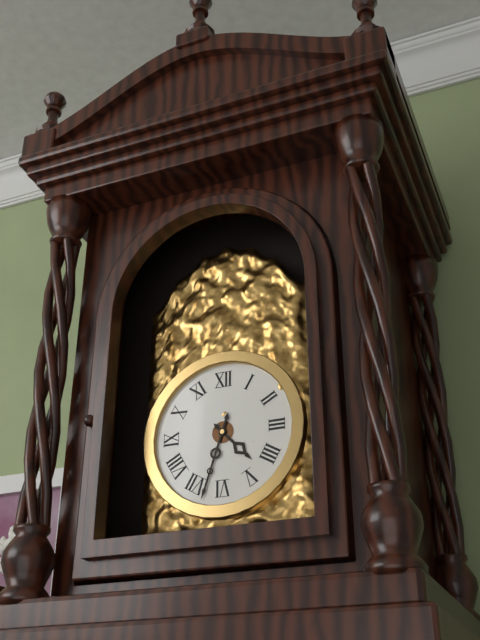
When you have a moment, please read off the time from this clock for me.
4:33
